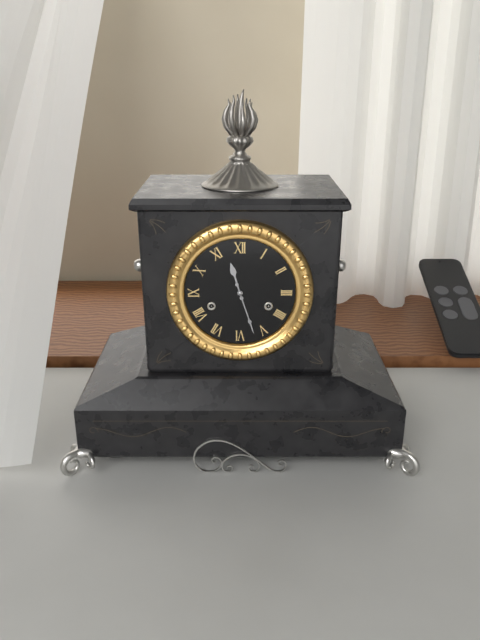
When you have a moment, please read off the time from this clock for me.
11:27
